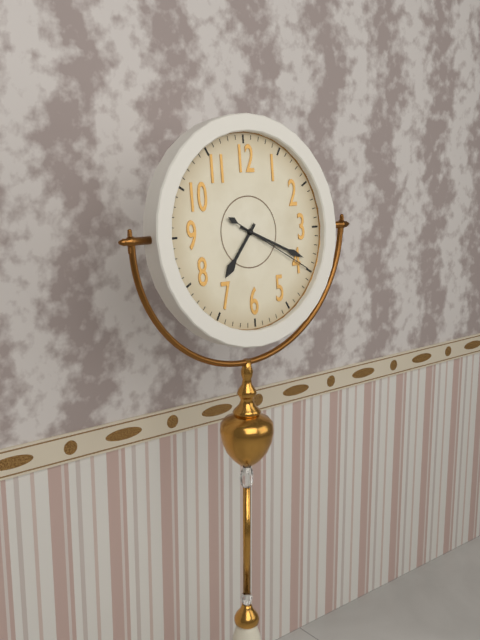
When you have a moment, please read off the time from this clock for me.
7:19:20
